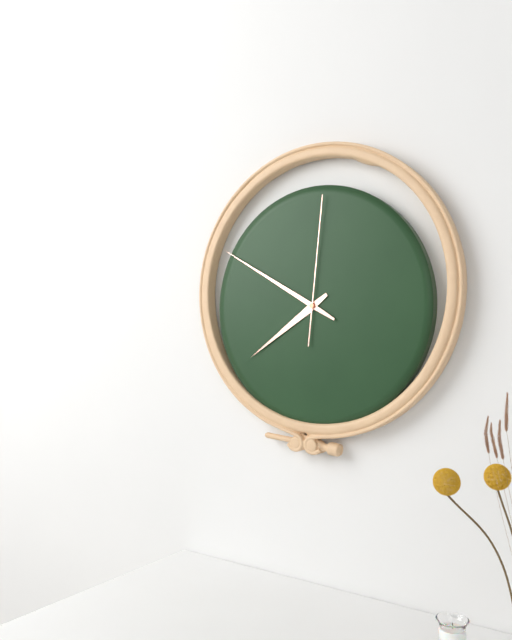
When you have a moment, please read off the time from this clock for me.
7:50:01
